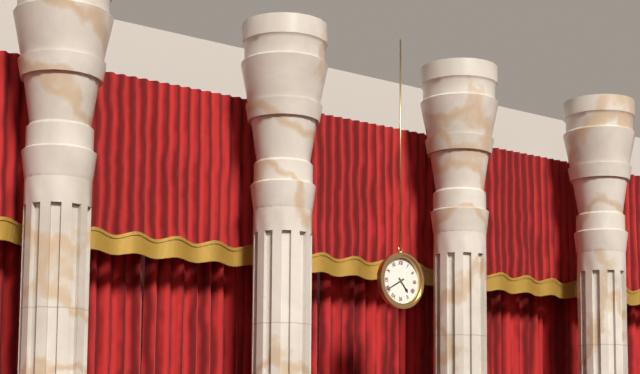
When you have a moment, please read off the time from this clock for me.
4:40
